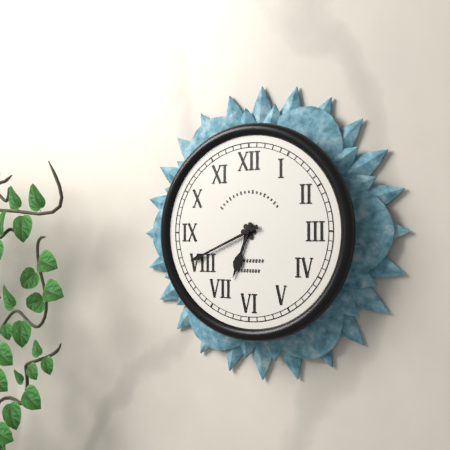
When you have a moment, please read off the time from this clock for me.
6:41
